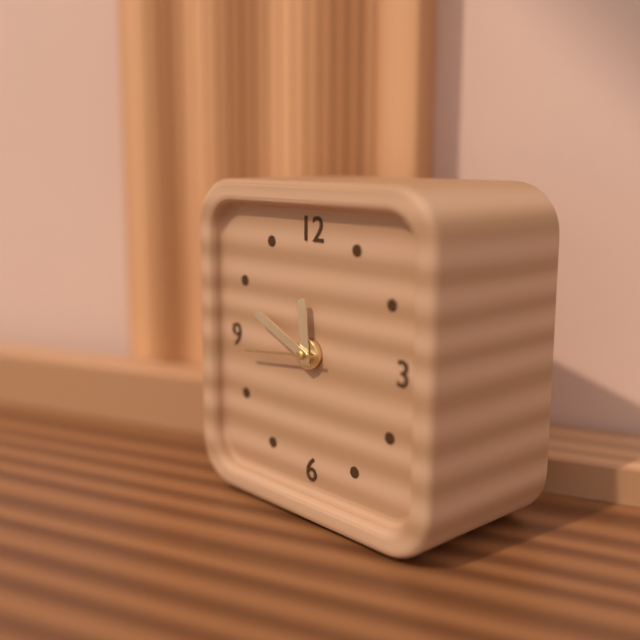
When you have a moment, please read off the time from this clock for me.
11:49:44
